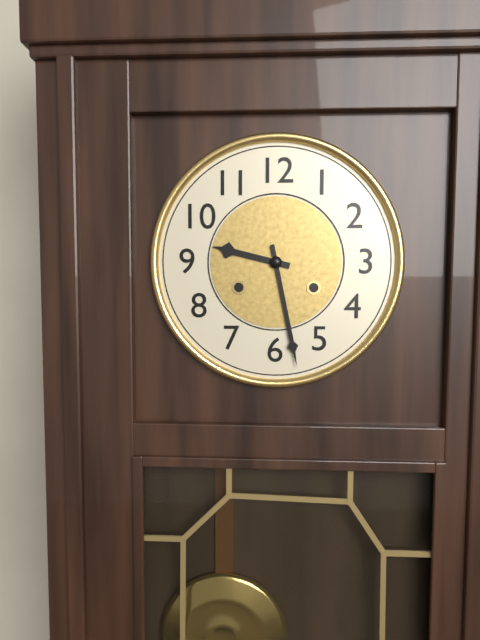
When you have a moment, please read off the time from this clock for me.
9:28
